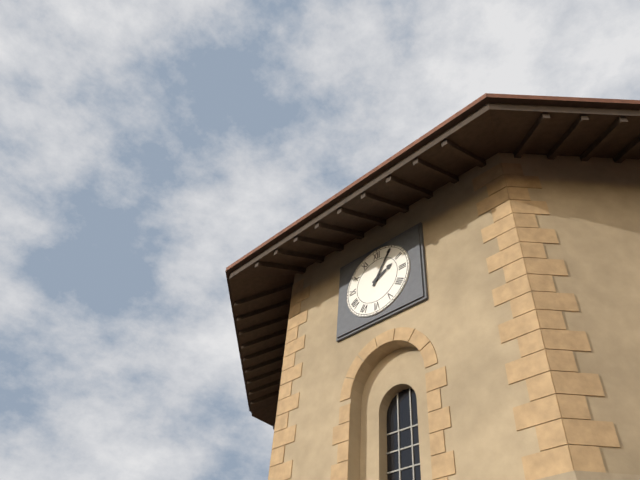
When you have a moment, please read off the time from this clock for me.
2:05
